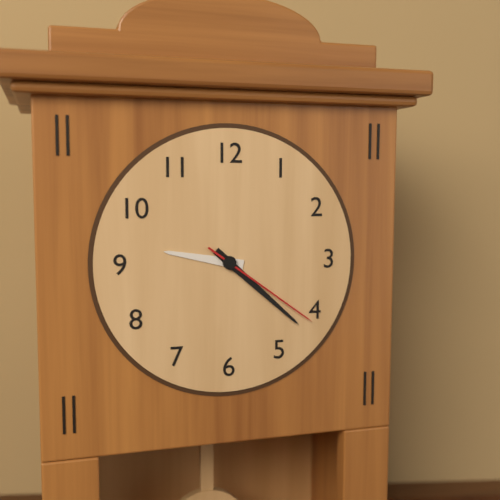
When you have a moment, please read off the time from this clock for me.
9:22:21
